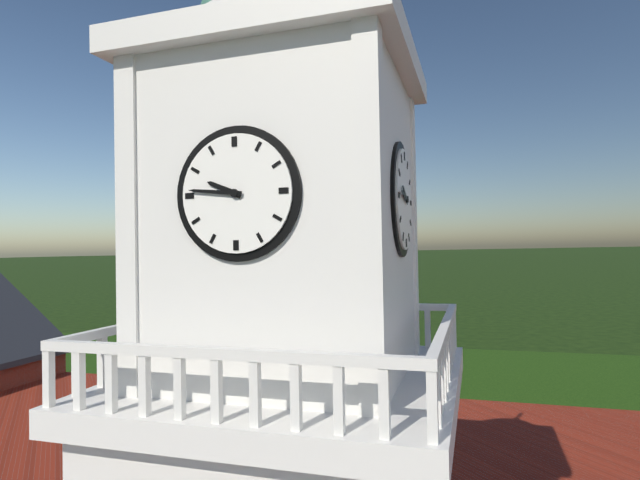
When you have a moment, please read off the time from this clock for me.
9:46
